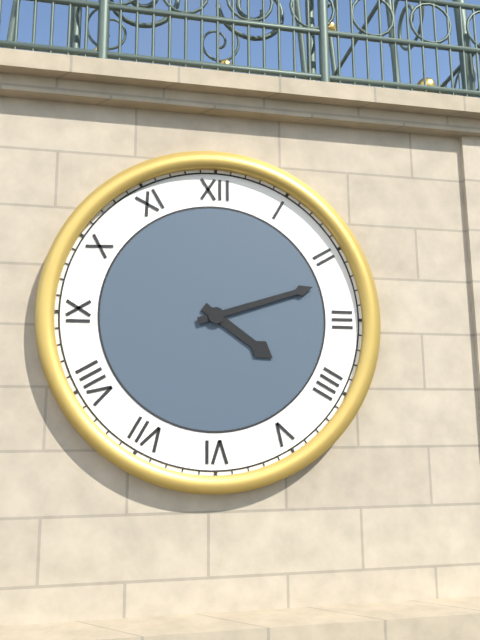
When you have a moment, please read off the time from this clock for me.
4:12
